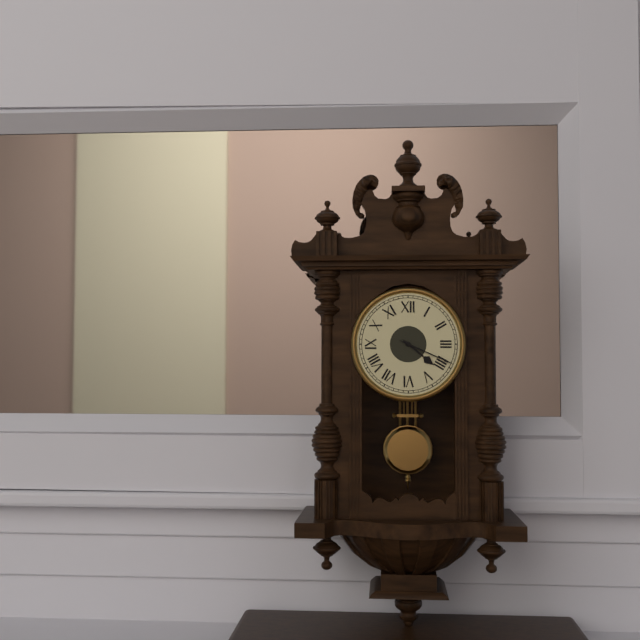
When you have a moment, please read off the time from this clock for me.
4:19
